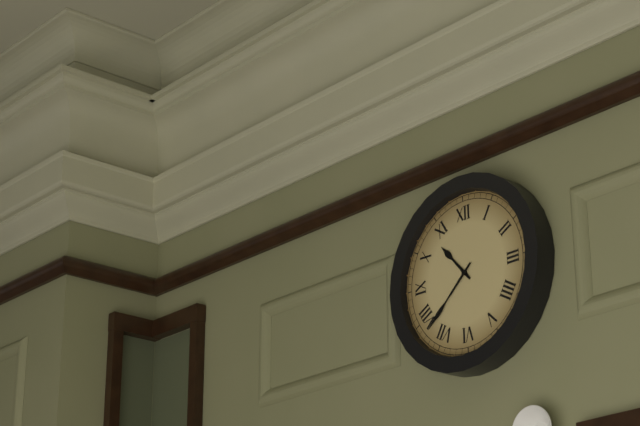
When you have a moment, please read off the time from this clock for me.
10:38
